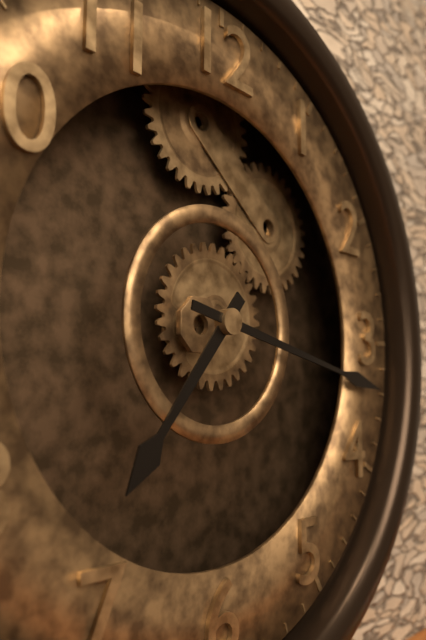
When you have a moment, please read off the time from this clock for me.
7:17
